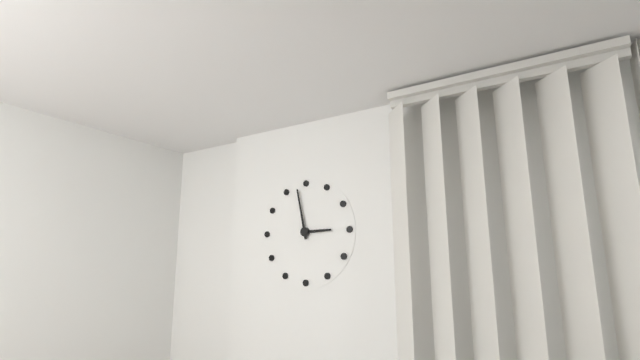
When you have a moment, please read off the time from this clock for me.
2:58
